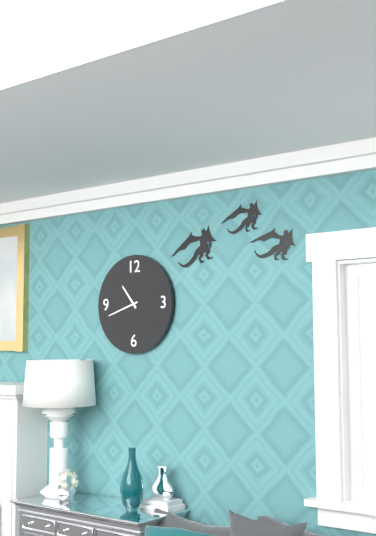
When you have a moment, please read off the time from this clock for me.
10:42
